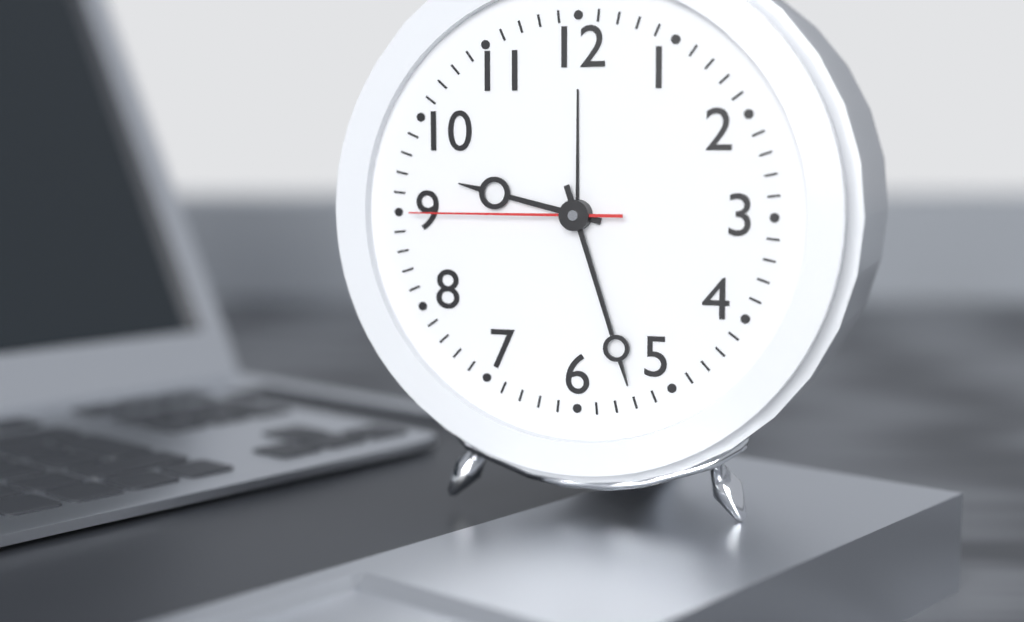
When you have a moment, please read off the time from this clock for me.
9:27:45
